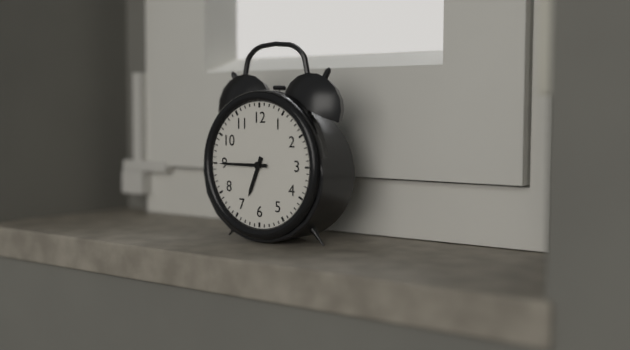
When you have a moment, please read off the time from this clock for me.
6:45
